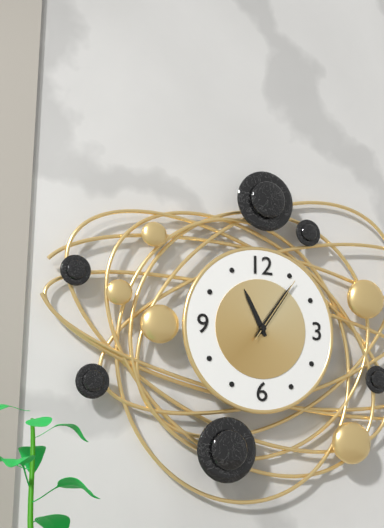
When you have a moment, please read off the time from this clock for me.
11:06:06
